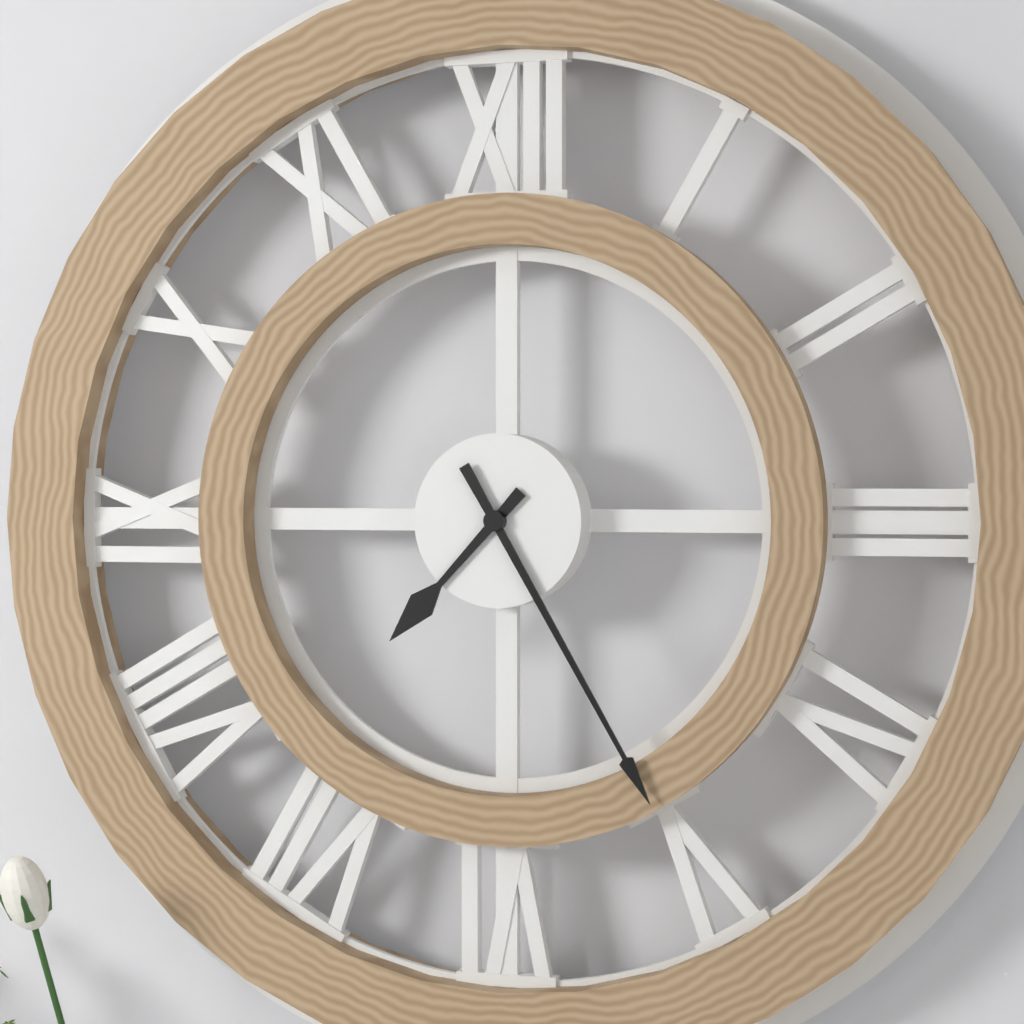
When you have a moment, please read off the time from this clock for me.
7:25
